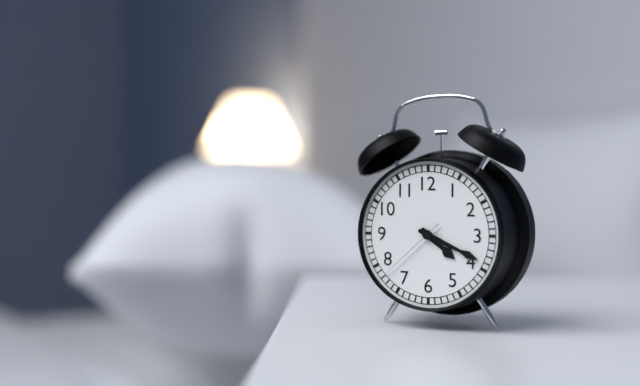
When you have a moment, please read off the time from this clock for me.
4:19:38
